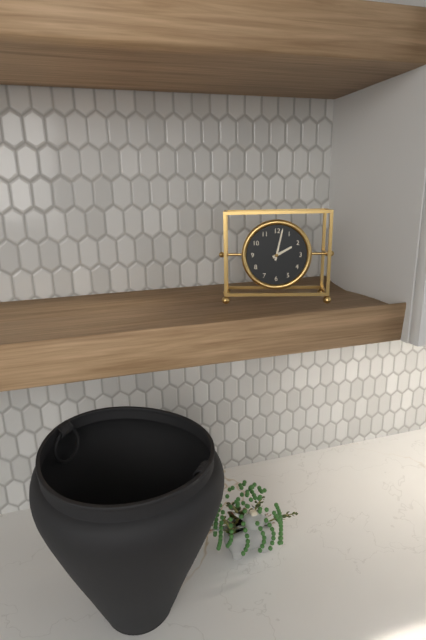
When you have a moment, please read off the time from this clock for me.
2:02
